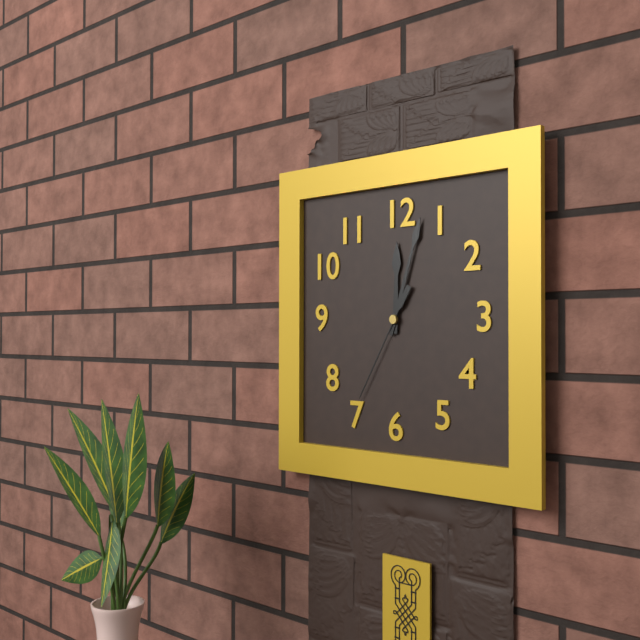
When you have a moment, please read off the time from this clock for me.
12:03:35
